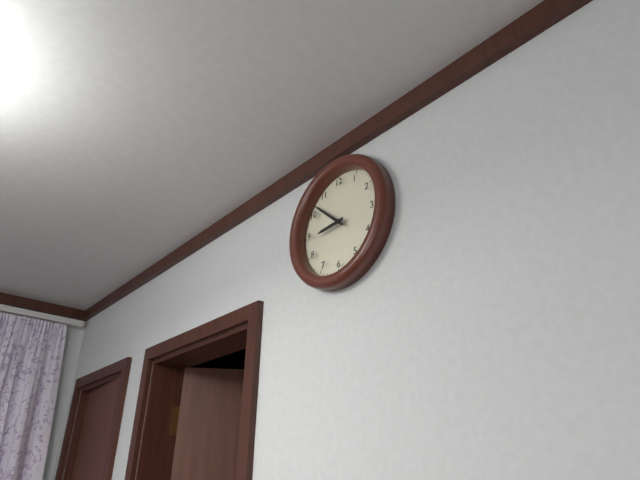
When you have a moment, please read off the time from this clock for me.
8:52
